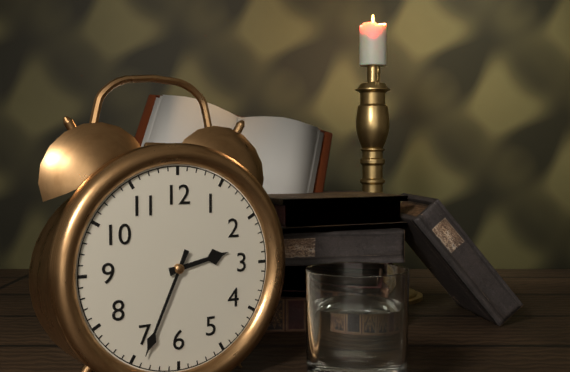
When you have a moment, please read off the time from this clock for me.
2:34
